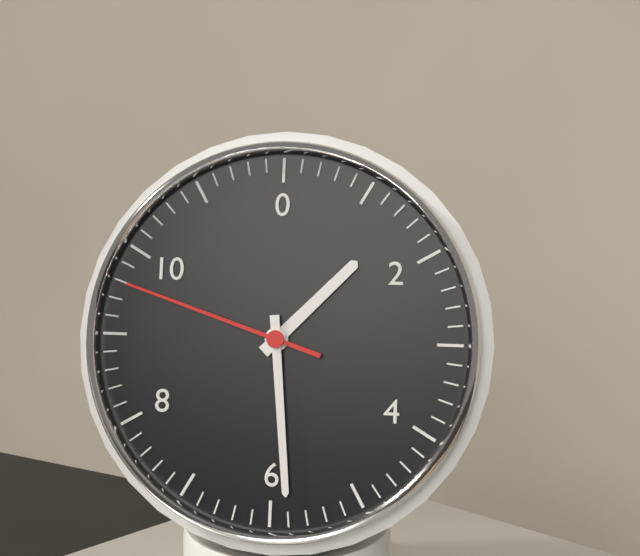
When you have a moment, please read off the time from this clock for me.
1:29:48
